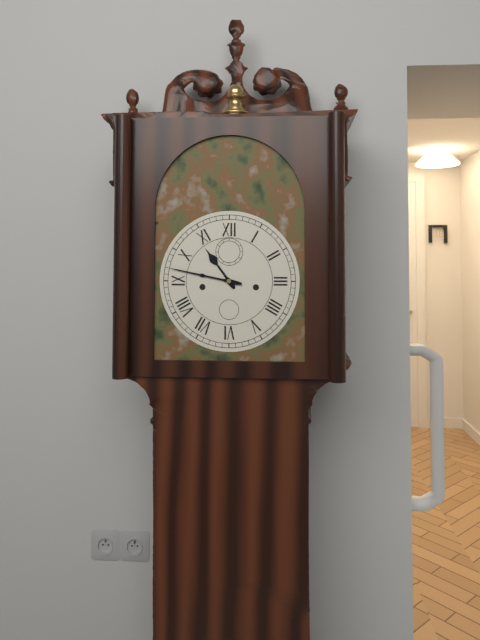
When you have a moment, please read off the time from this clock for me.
10:47
